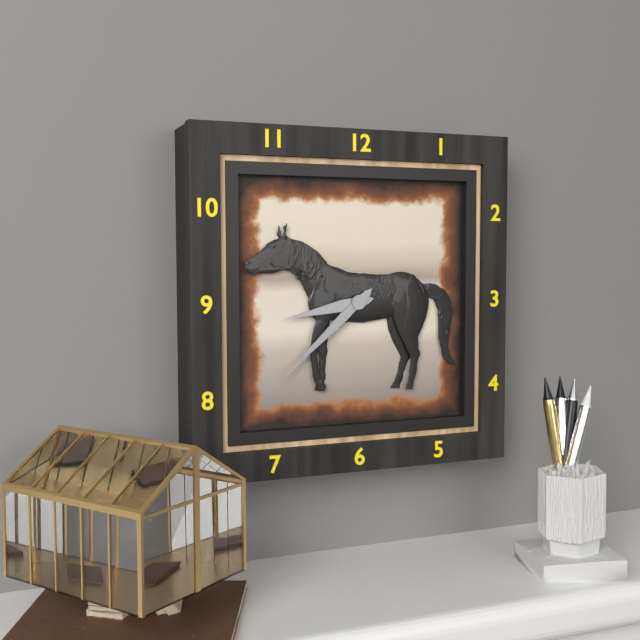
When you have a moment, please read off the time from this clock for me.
8:38
